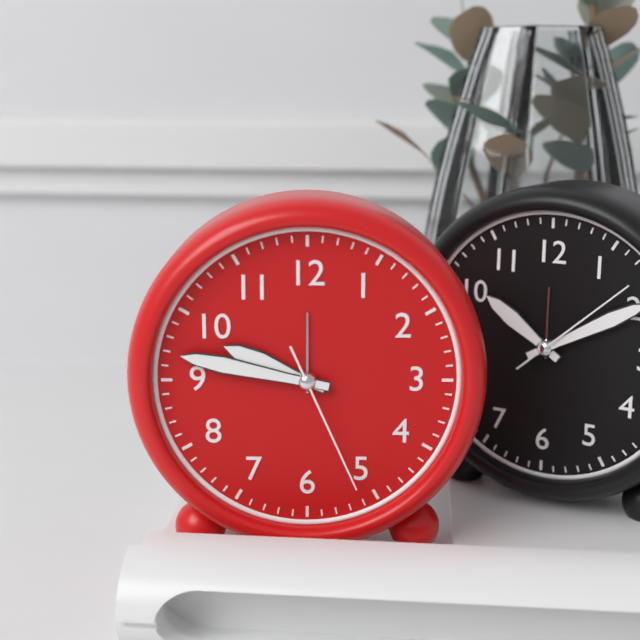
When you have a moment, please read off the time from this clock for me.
9:47:26
